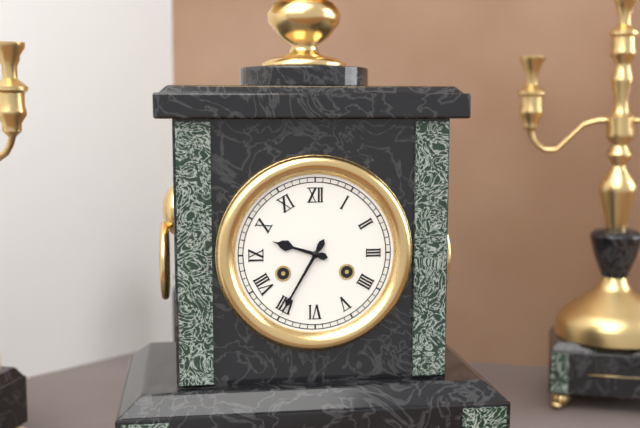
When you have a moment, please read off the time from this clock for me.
9:35
